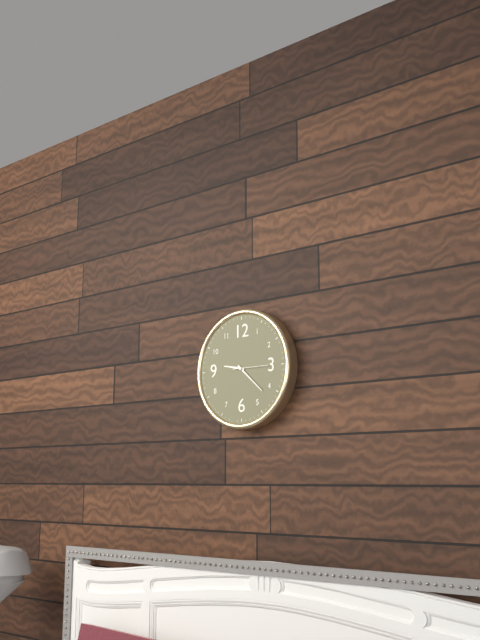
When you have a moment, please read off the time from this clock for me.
9:22
